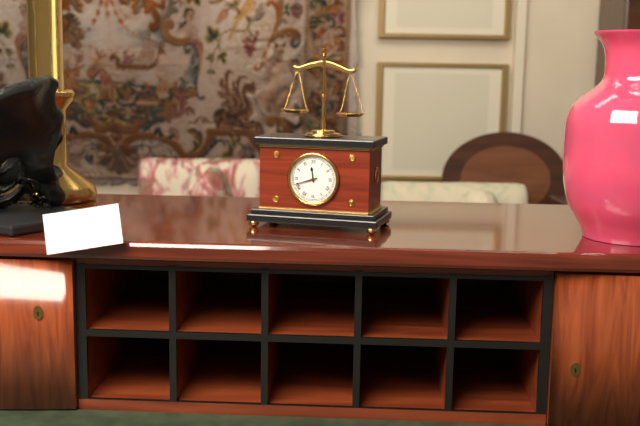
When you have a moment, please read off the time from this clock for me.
11:42
